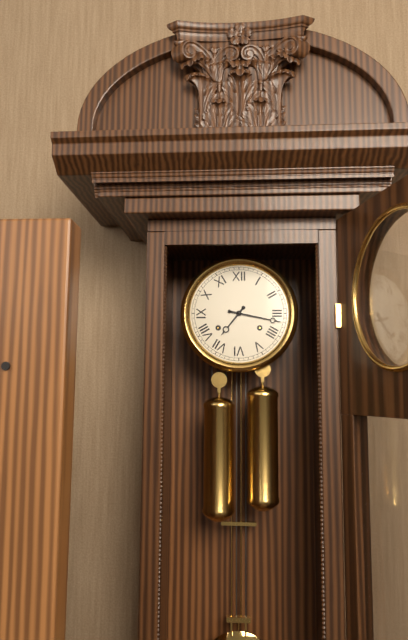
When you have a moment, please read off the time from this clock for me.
7:17
